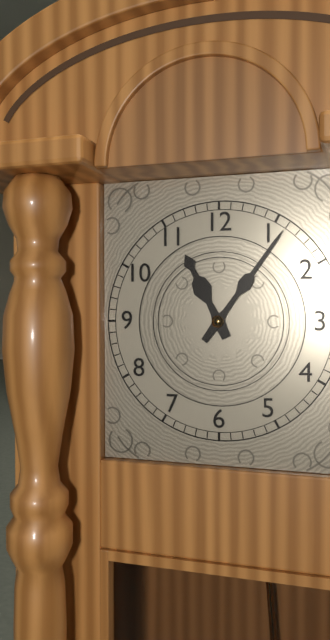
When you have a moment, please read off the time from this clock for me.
11:06
